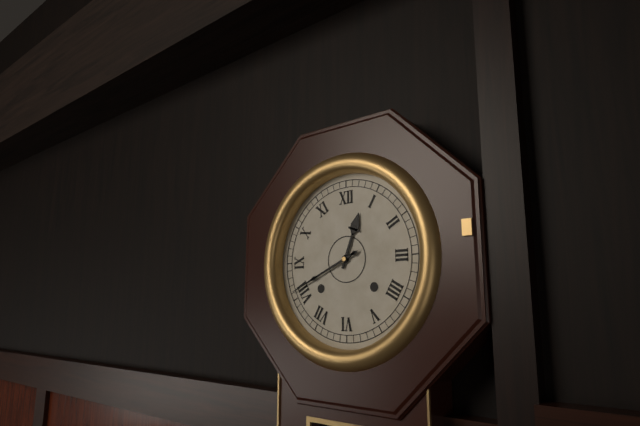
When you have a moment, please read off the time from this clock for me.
12:41
